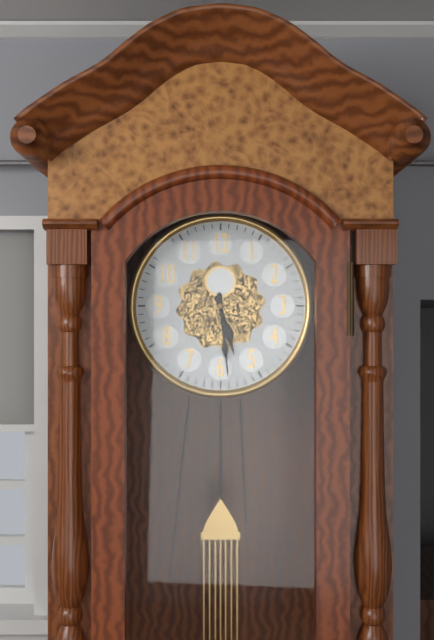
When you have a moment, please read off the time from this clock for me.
5:29
